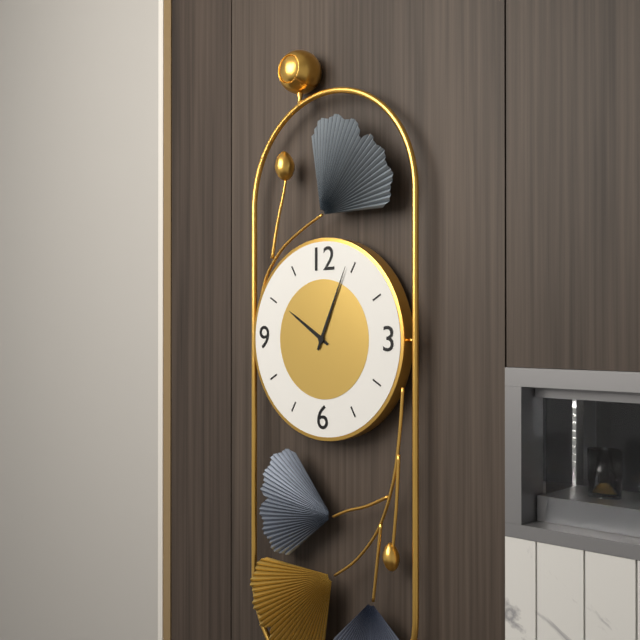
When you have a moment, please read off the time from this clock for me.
10:04
